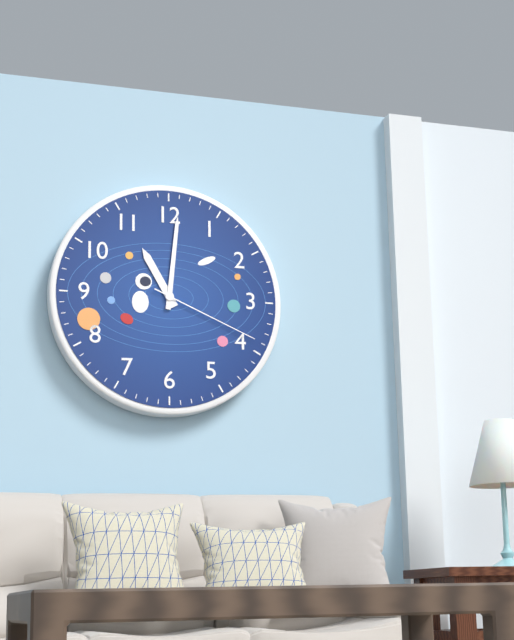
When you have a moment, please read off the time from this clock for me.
11:01:19
